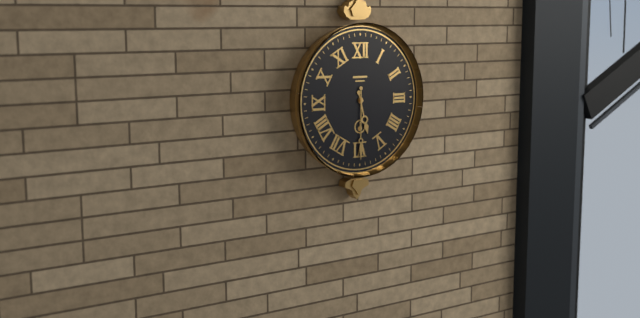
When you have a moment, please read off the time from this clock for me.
5:30
